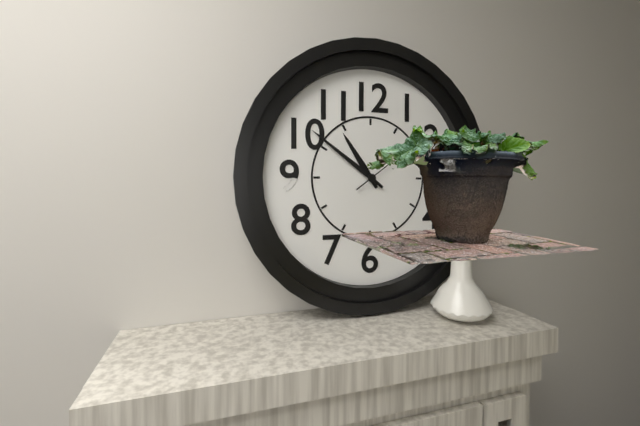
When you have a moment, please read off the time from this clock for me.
10:51
